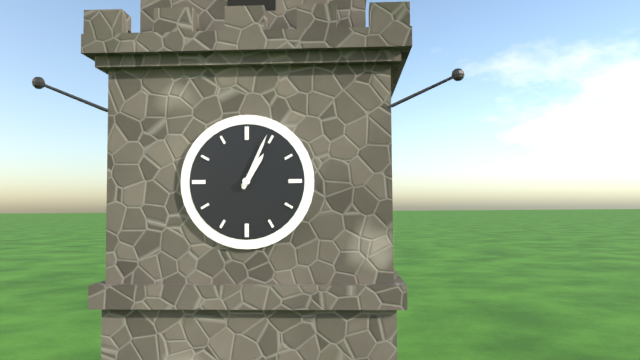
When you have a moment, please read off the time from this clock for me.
1:04
